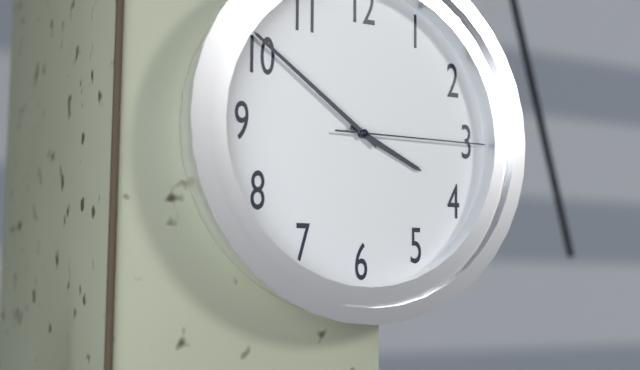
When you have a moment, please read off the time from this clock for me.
3:51:15
